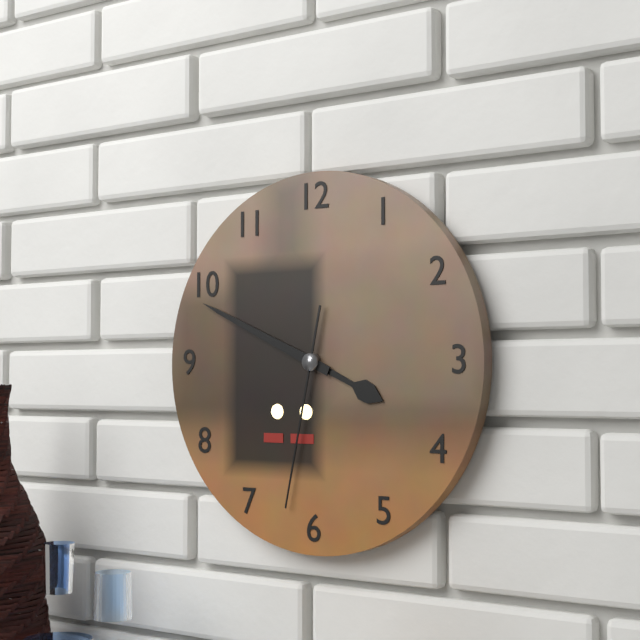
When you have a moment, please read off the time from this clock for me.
3:49:32
